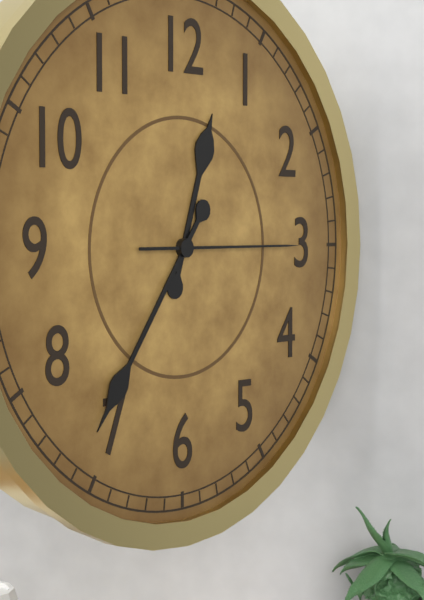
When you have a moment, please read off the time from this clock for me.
12:36:15
